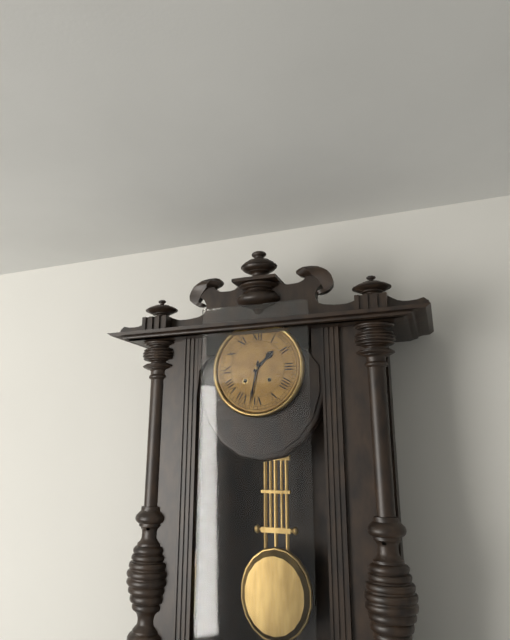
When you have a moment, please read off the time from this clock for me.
1:32
